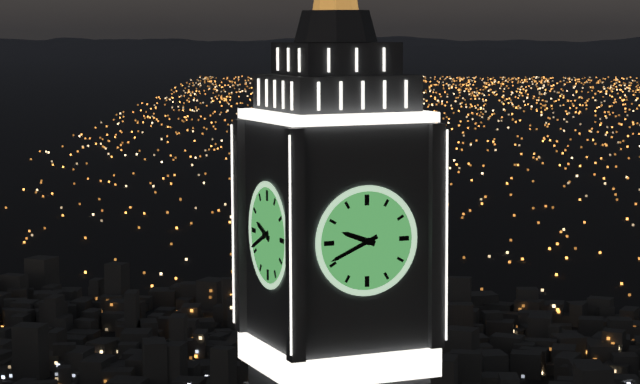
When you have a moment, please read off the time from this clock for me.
9:41
